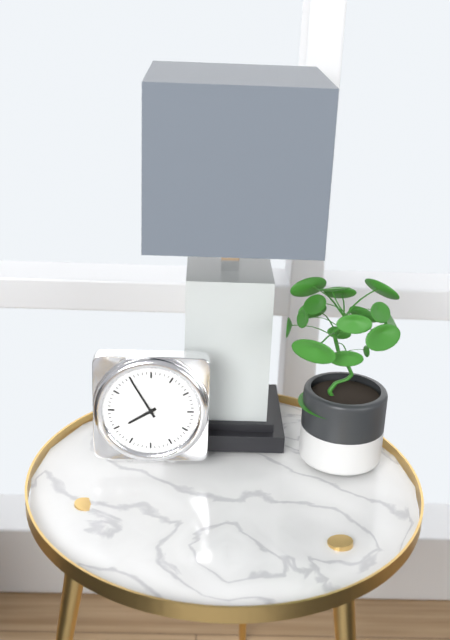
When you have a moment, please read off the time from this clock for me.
7:55
